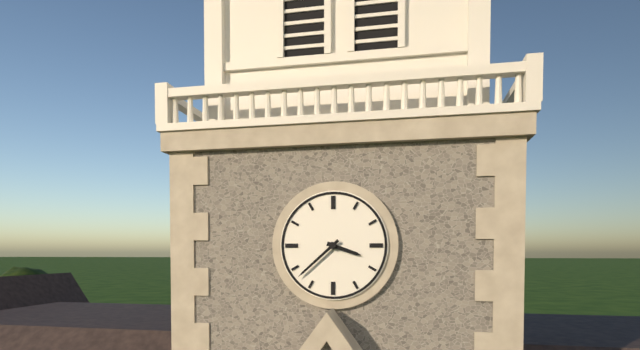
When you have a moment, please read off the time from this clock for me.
3:38
